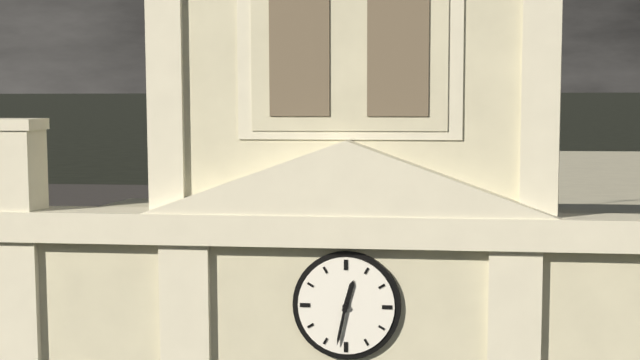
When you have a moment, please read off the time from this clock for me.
12:32
